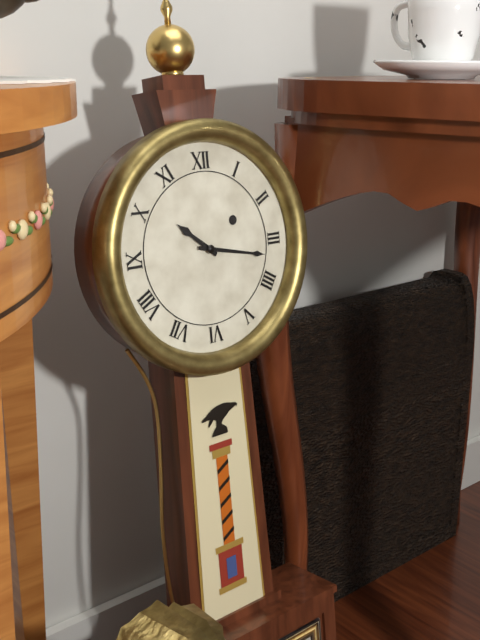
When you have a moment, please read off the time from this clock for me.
10:17
